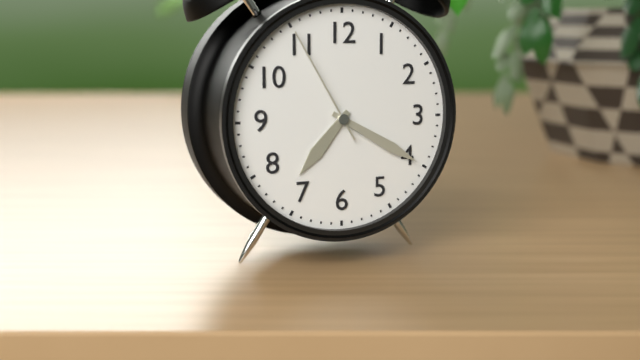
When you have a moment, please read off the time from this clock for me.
7:20:55
